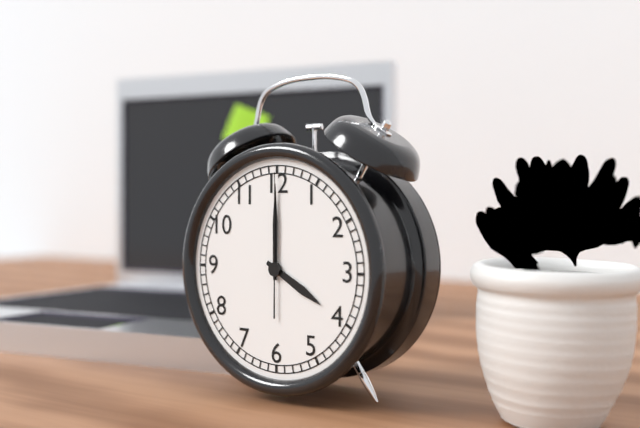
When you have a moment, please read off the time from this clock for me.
4:00:00
